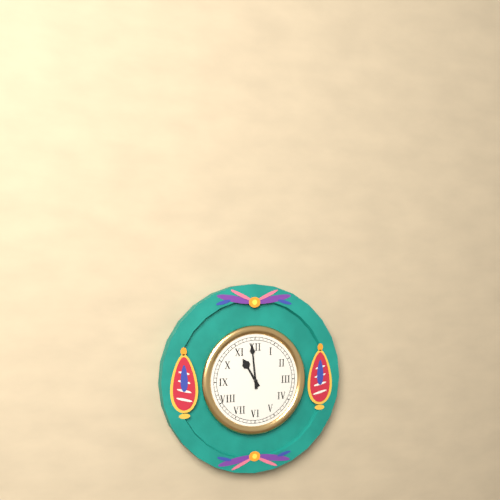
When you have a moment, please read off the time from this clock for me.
10:59
